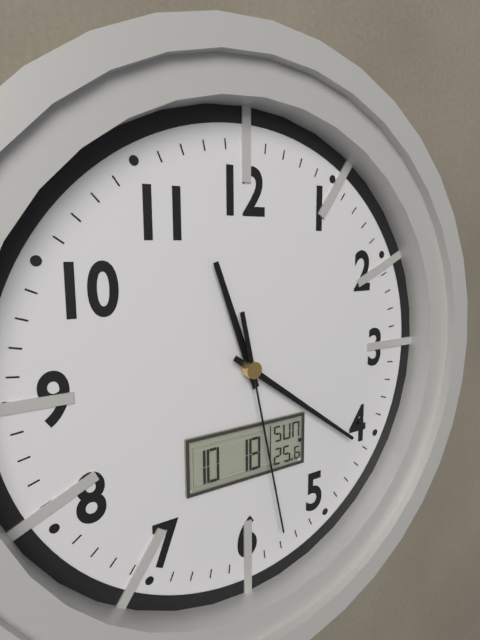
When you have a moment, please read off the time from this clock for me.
11:21:28
